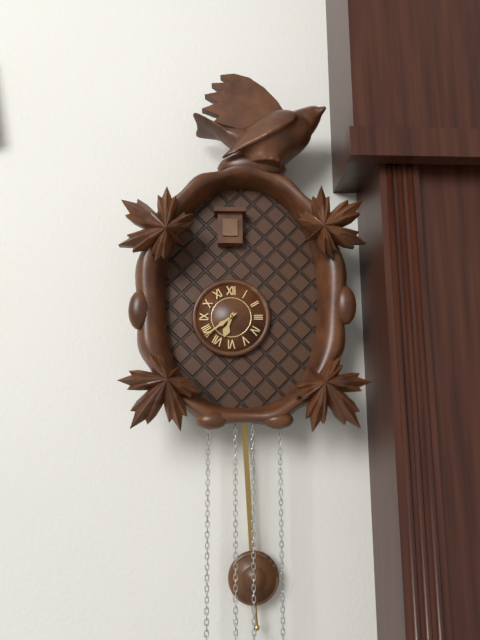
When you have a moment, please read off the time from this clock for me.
6:39
